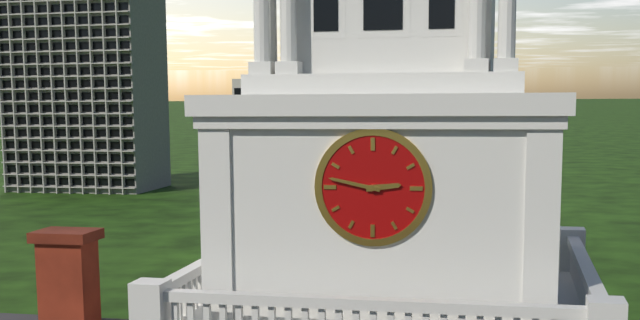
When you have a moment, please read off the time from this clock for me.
2:47
